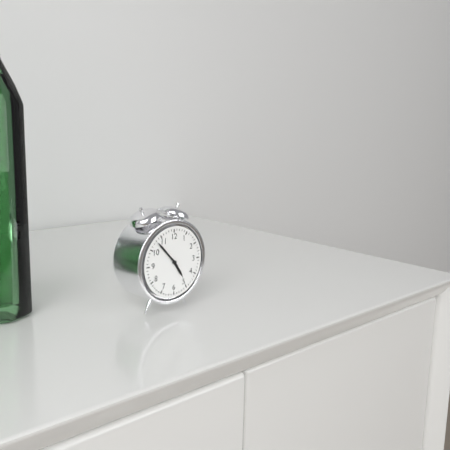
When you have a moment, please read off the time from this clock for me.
4:53
